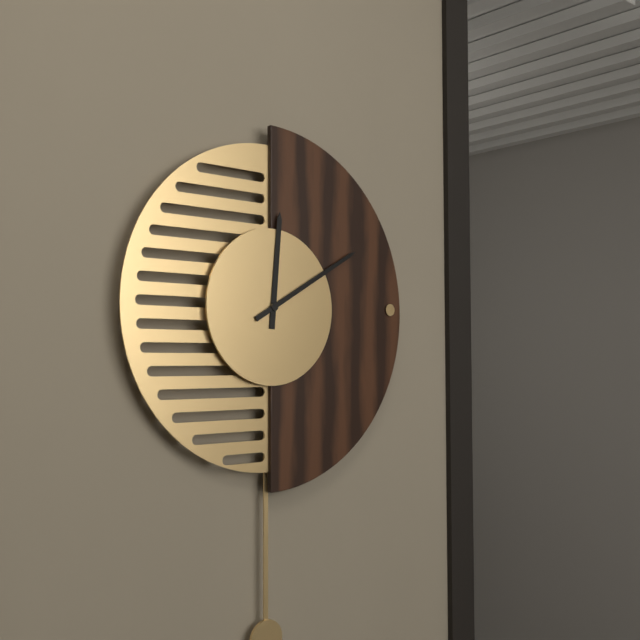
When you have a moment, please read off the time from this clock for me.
12:10
